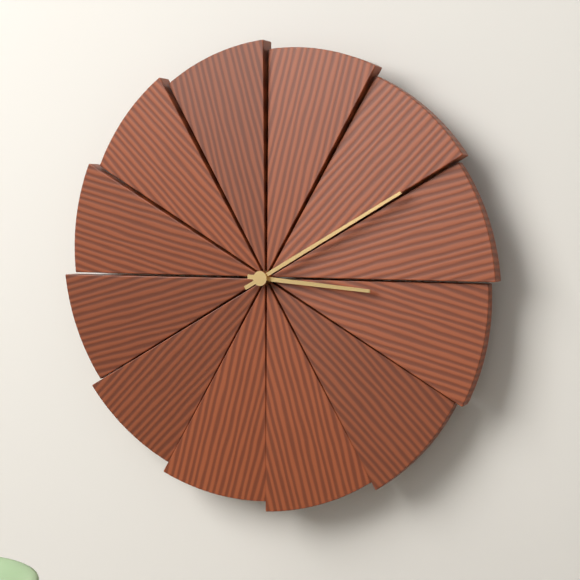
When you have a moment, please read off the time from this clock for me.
3:10
